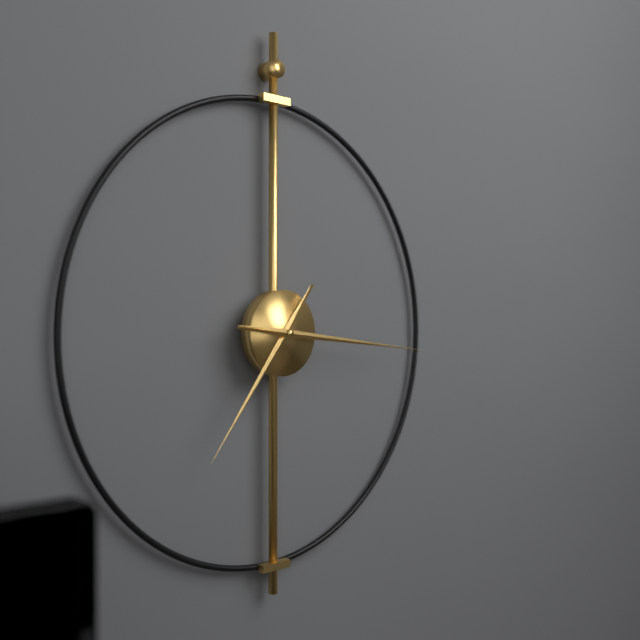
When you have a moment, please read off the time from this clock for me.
7:16
